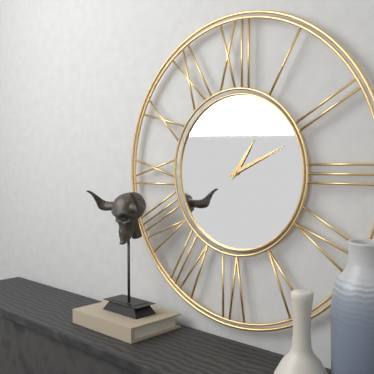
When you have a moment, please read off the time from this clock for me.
1:11
